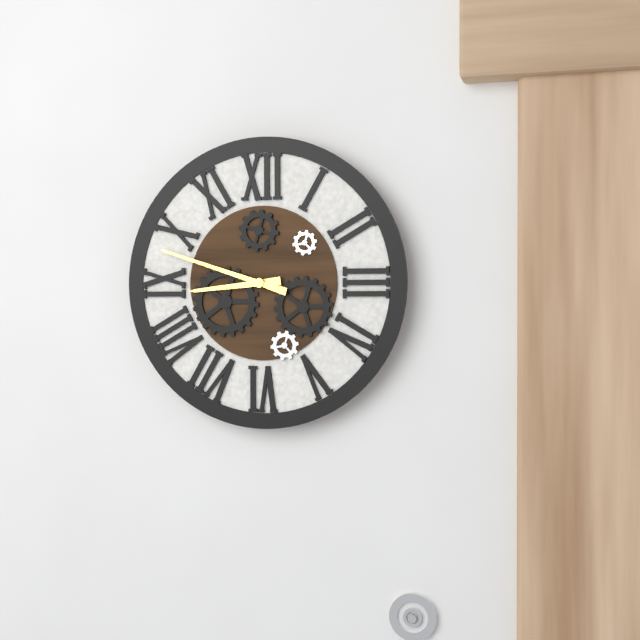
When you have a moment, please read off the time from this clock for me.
8:48
